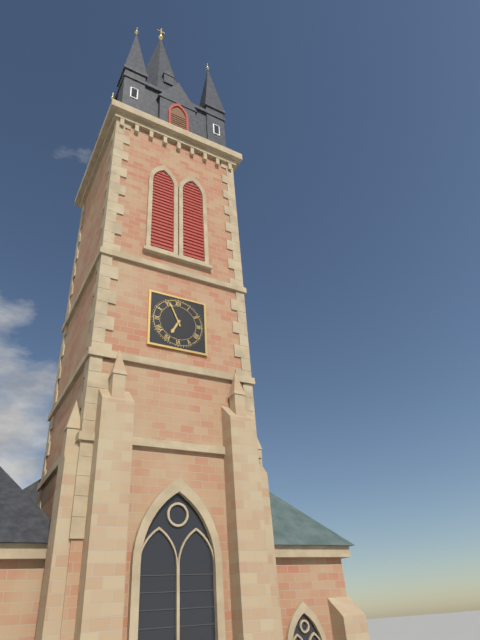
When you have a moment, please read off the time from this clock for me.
6:56
